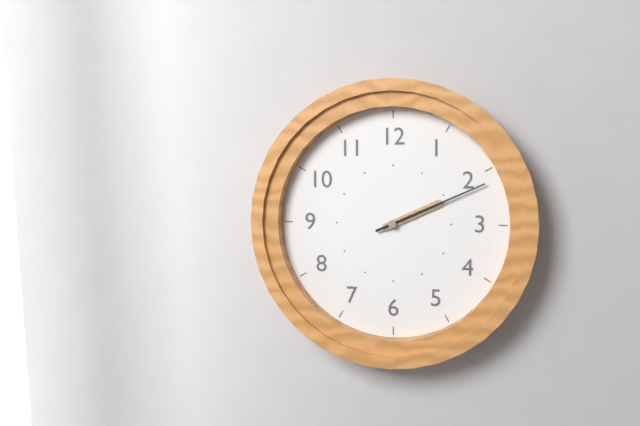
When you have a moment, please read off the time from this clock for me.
2:11
